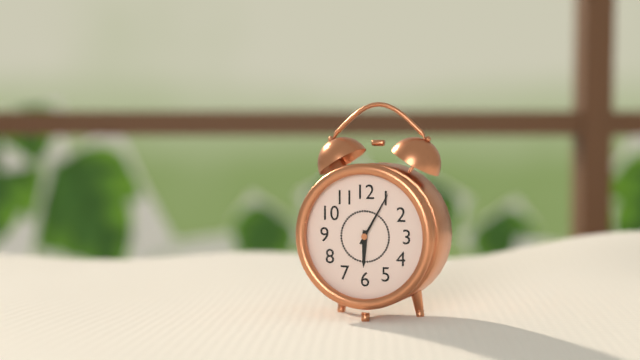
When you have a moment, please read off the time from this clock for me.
6:05
